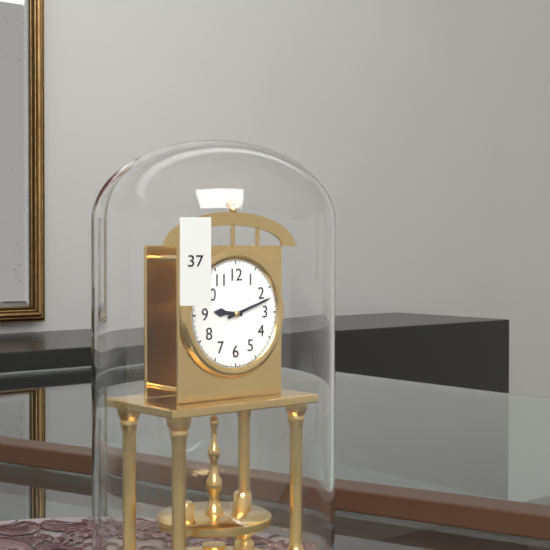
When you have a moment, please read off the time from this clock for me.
9:12
